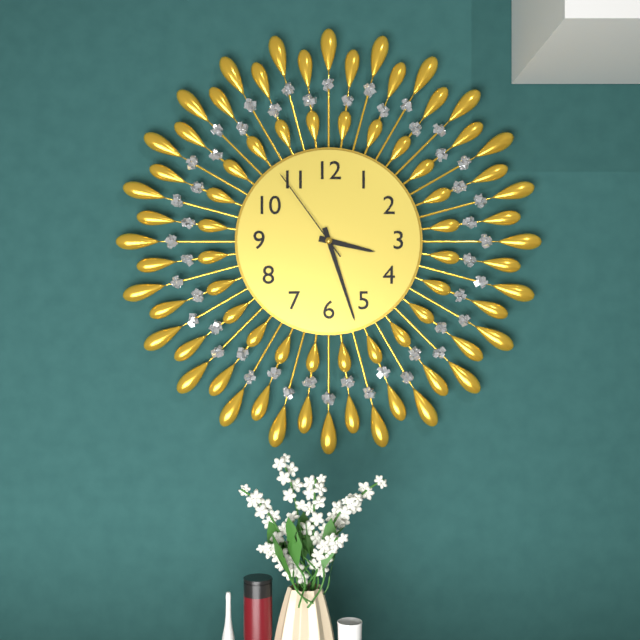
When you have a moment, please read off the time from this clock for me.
3:27:54
